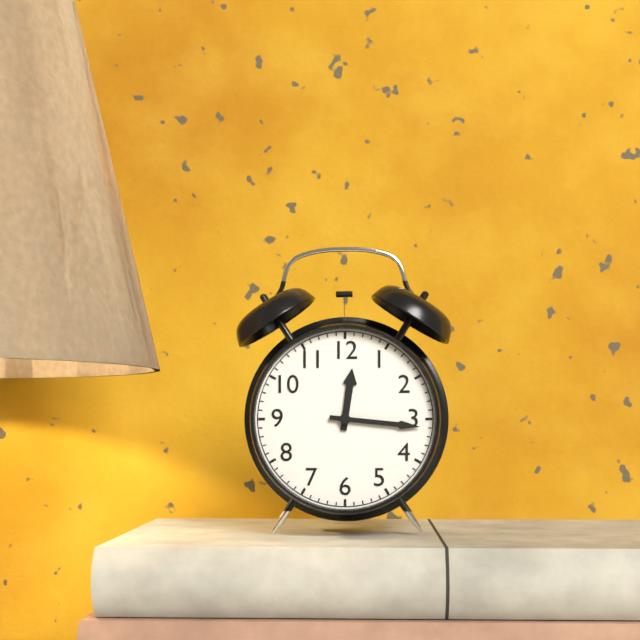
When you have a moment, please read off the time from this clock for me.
12:16
